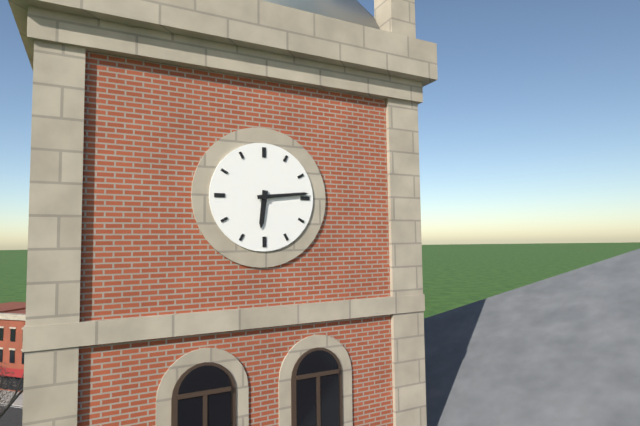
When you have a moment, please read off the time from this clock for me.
6:14
